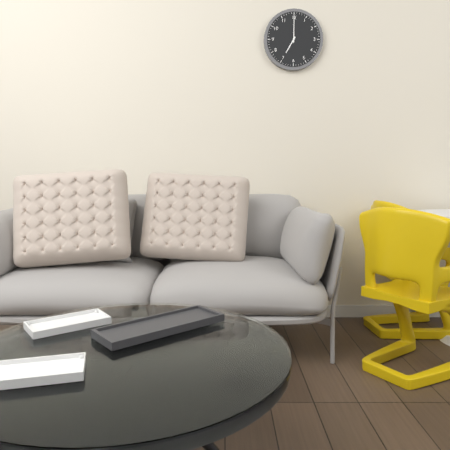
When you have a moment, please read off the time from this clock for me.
7:00
